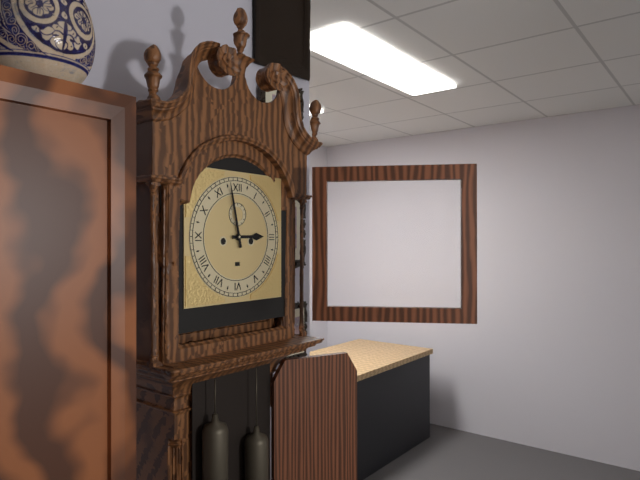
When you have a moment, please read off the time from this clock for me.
2:58
